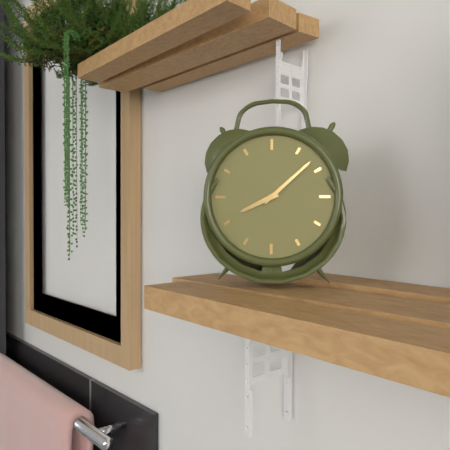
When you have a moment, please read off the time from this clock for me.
8:08
